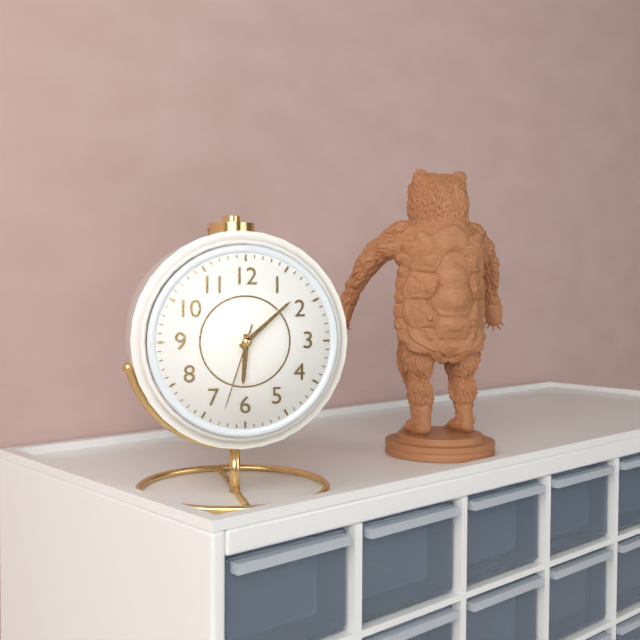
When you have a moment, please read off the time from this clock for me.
6:08:33
